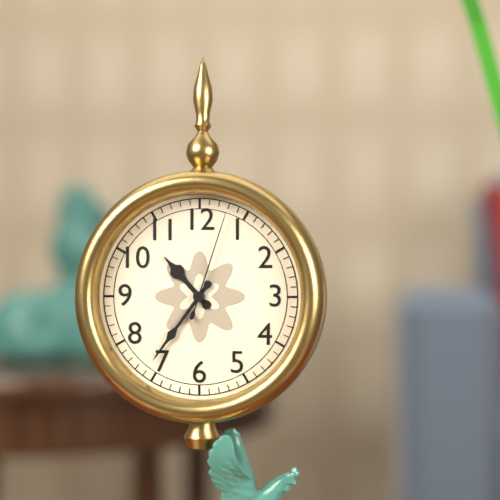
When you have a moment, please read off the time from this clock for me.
10:36:03
